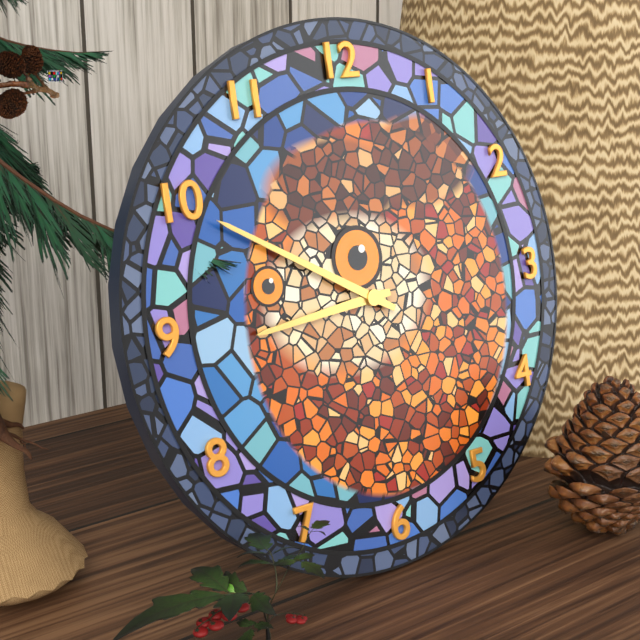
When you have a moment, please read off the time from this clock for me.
8:50
